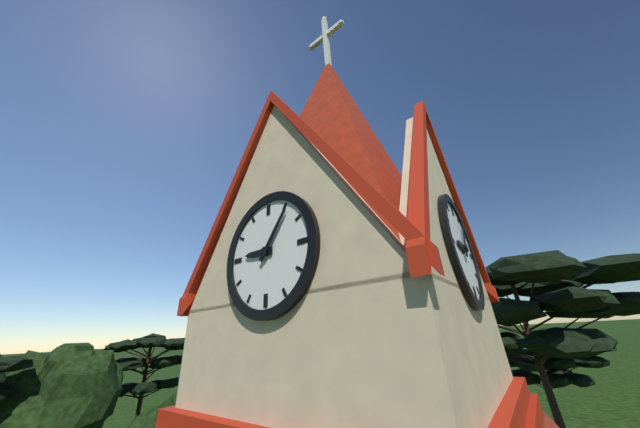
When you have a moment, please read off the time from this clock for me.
9:06
